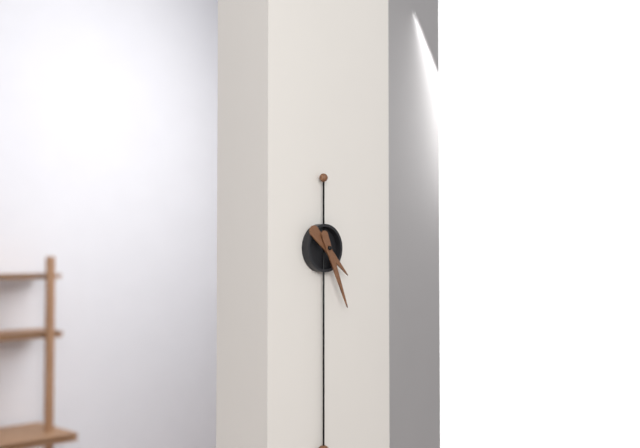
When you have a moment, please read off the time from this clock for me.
4:26
